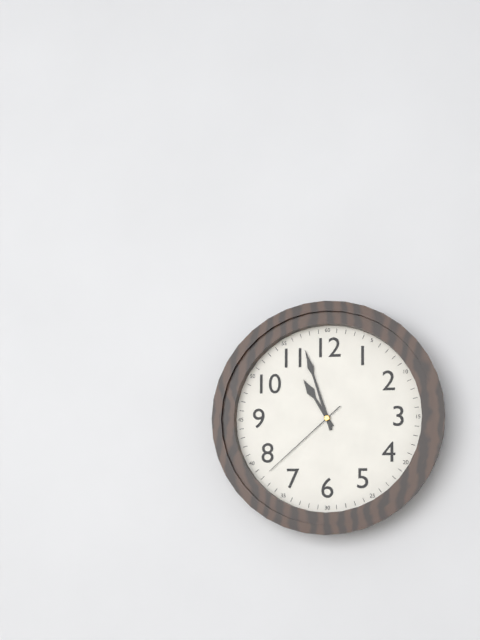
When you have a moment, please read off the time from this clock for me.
10:57:38
